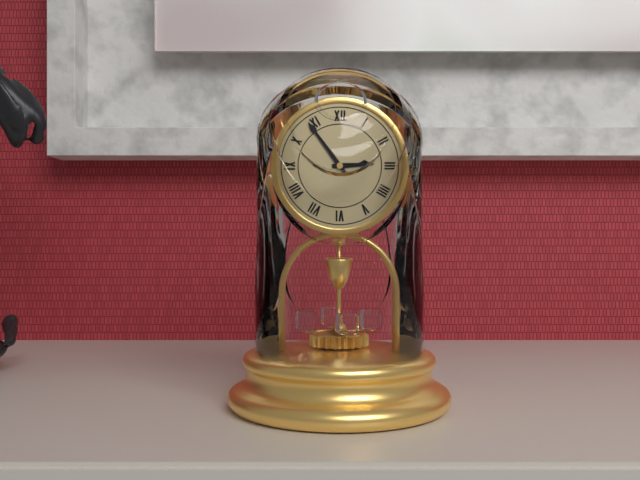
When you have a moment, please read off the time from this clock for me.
2:54
